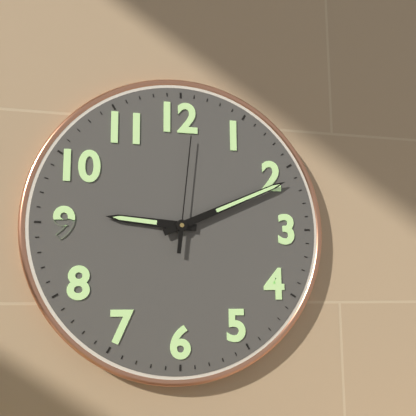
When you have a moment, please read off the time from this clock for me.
9:11:01
